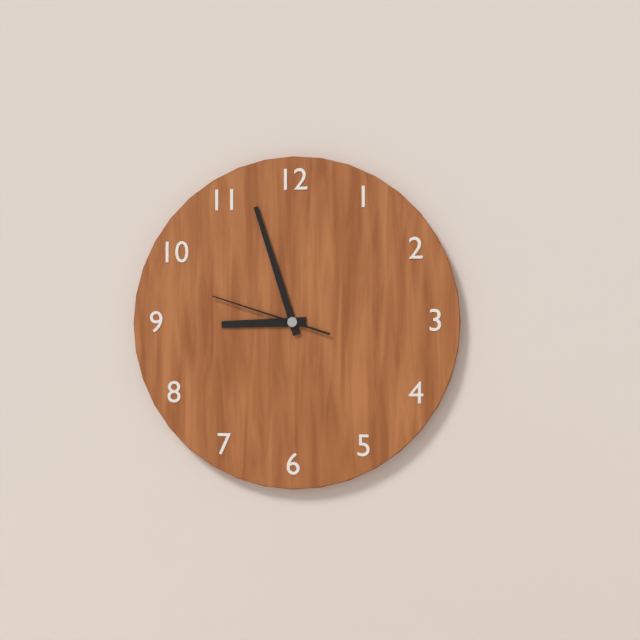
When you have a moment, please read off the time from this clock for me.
8:57:48
